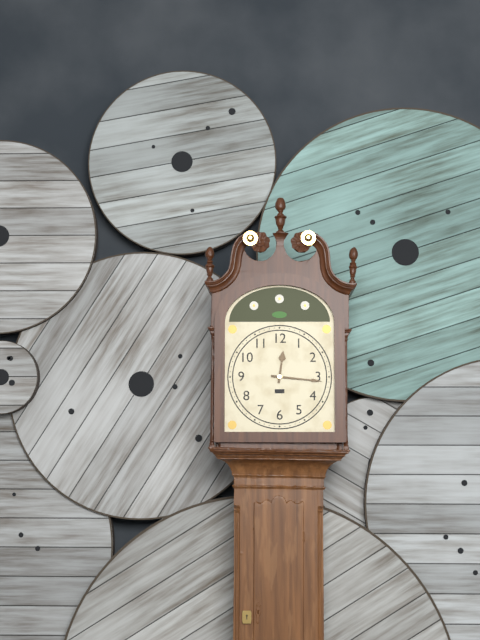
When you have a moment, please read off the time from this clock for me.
12:16
